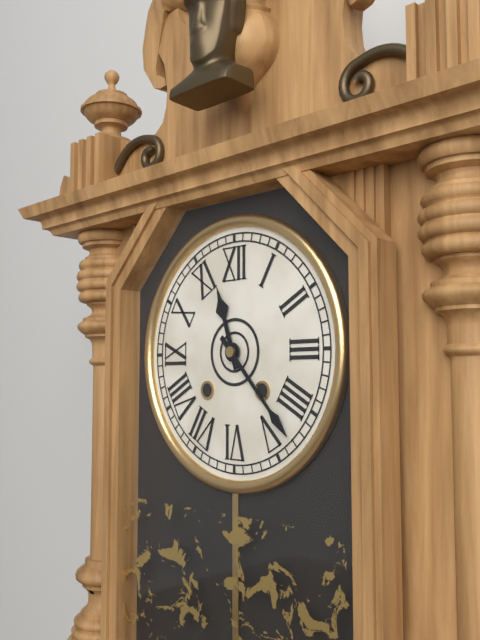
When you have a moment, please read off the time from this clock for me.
11:23
